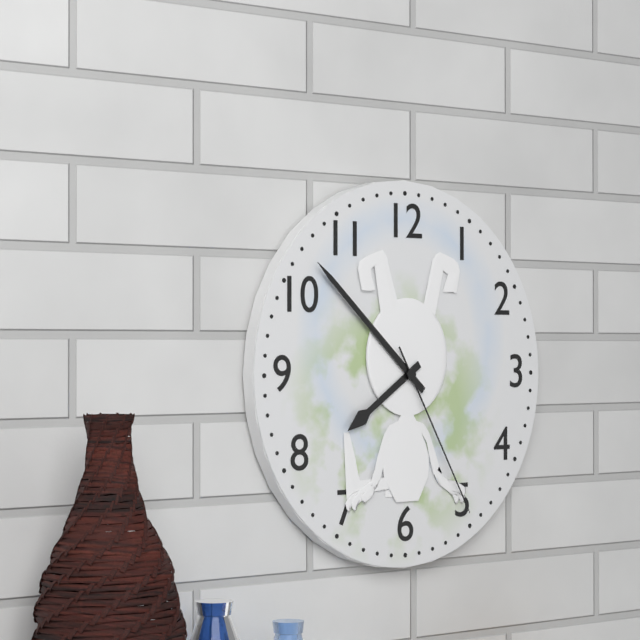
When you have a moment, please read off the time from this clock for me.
7:52:25
